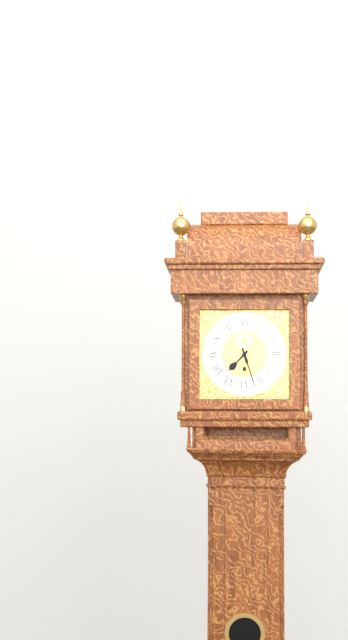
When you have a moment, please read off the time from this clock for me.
7:27
